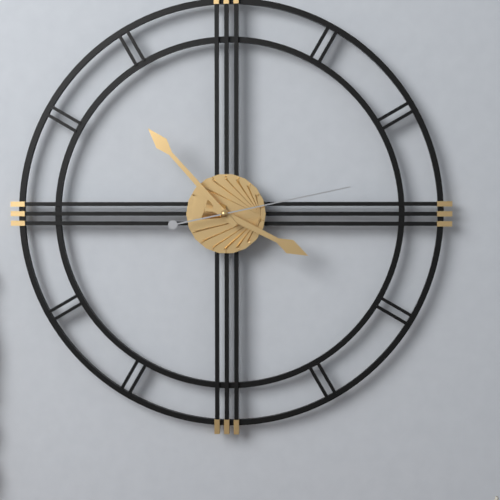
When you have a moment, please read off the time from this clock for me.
3:53:13
